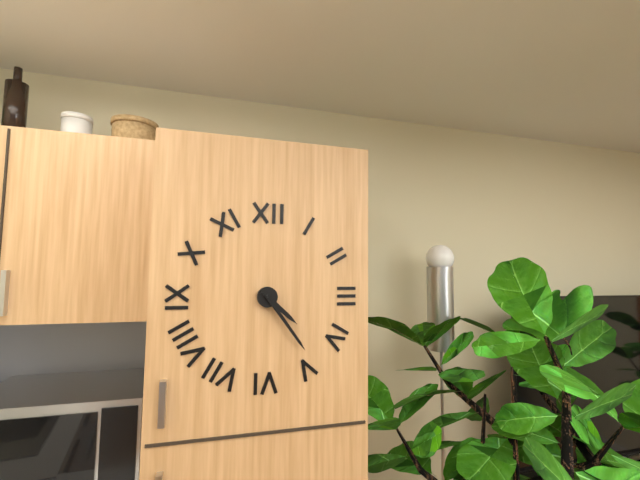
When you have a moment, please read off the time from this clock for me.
4:24
